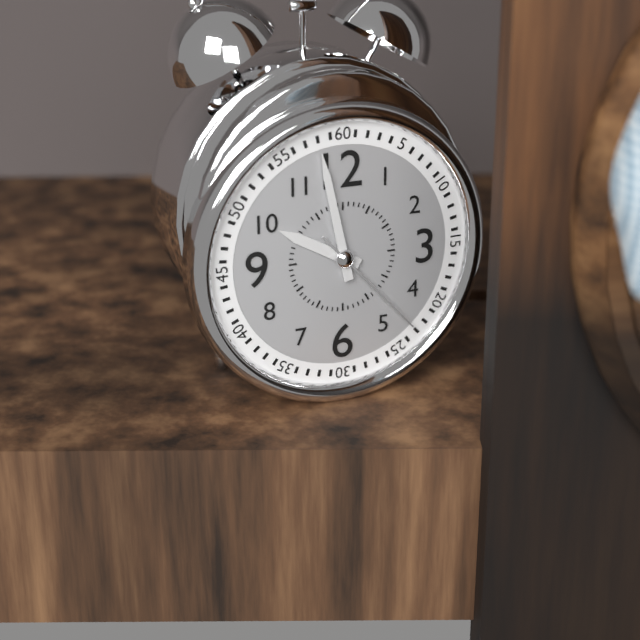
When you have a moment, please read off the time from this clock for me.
9:58:23
